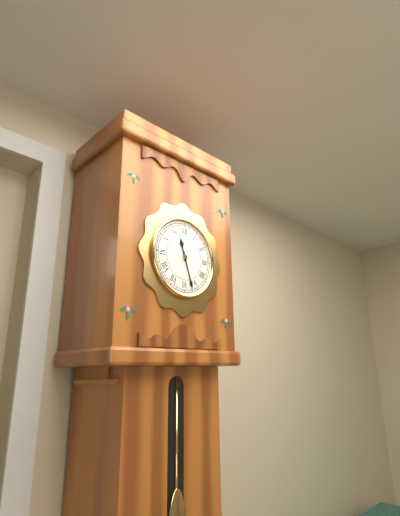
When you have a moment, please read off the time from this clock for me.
11:27
